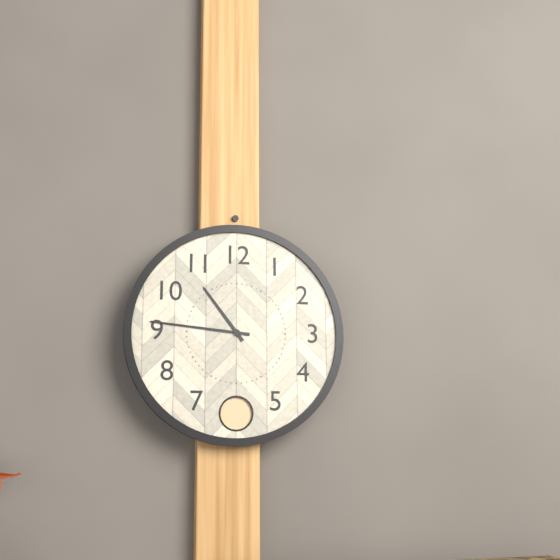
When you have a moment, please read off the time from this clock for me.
10:46
